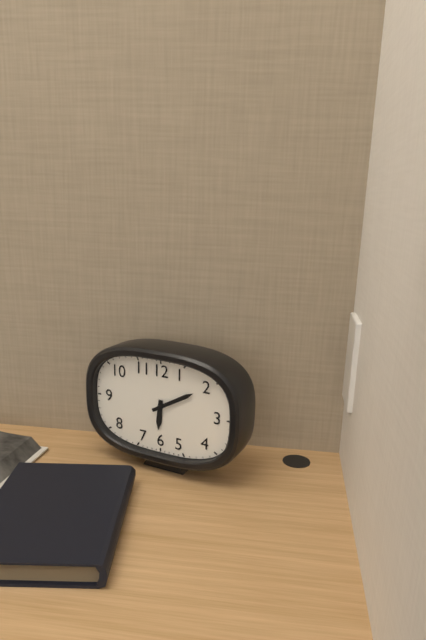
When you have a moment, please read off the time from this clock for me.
6:10
